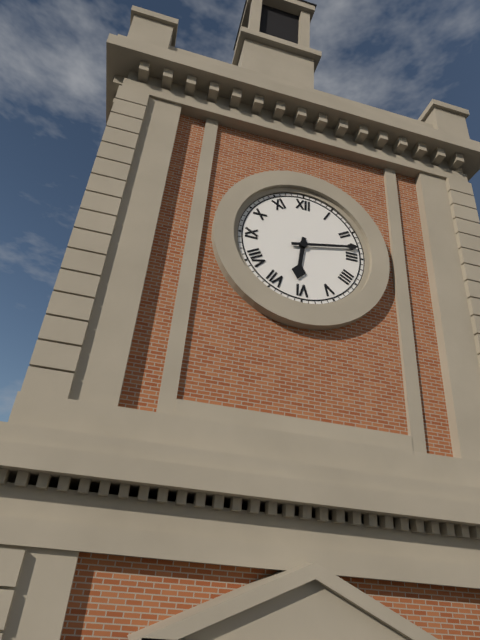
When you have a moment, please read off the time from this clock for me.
6:13
